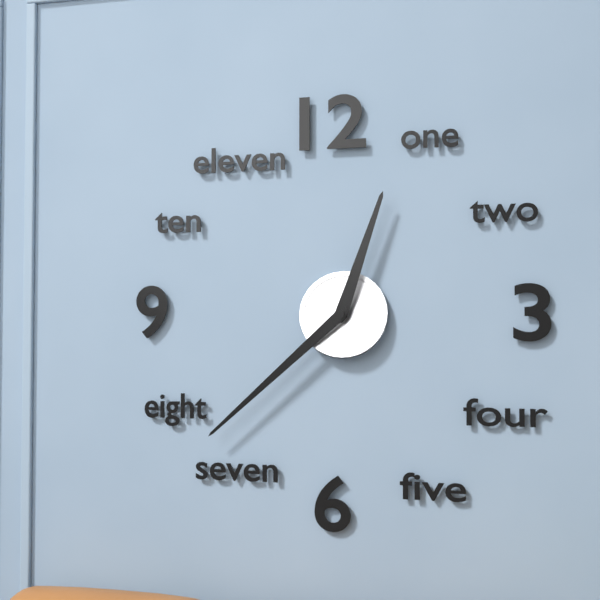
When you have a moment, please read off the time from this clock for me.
12:38
